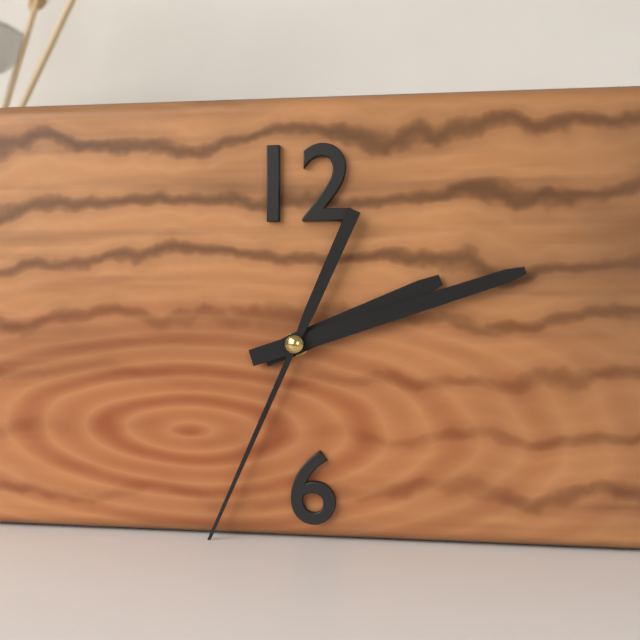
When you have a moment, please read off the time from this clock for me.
2:12:34
